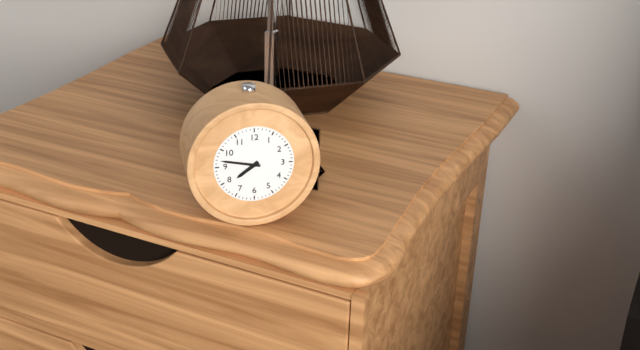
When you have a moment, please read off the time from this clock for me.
7:47
